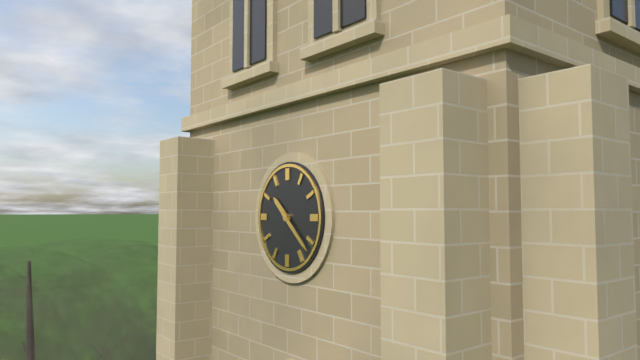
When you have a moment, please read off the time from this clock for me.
10:22
